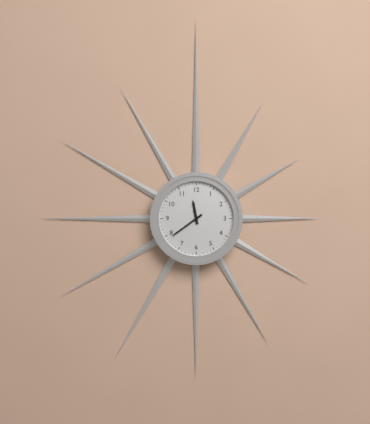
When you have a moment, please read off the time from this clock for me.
11:39
